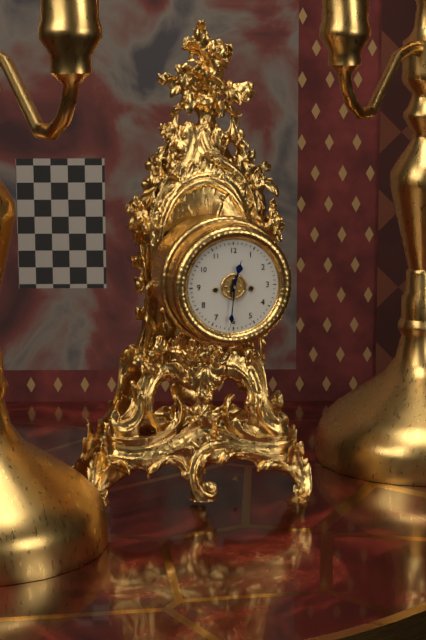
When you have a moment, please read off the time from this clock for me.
12:31
